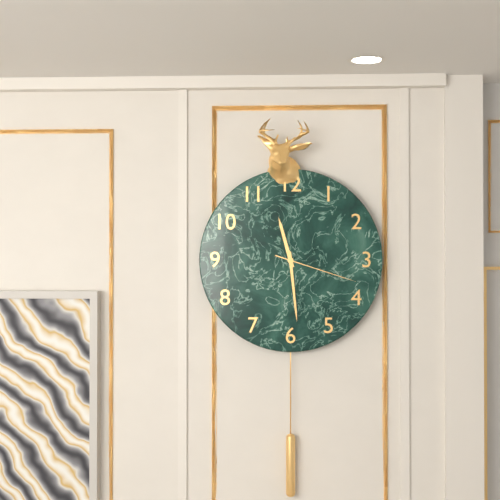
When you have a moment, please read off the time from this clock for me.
11:29:18
